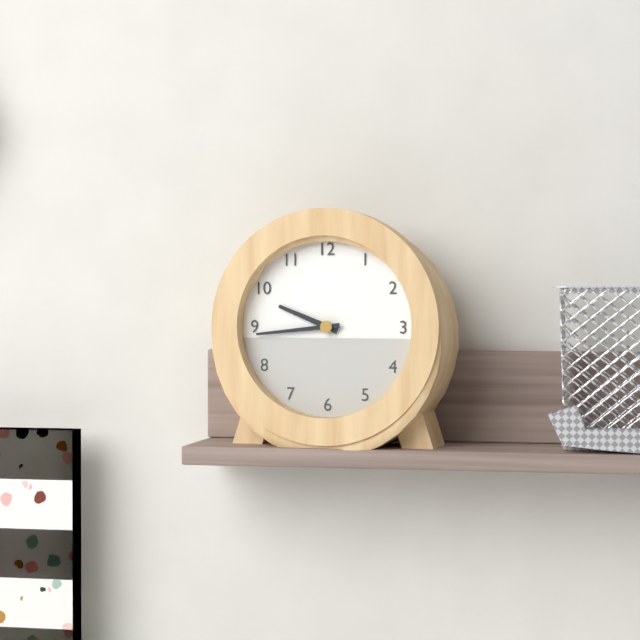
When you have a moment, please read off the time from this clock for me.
9:44
